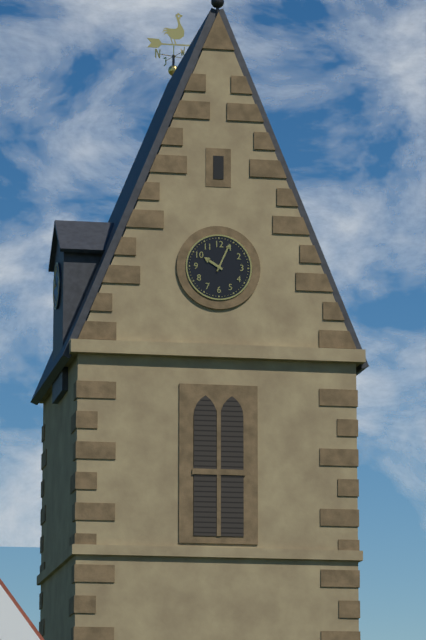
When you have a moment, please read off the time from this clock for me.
10:04
